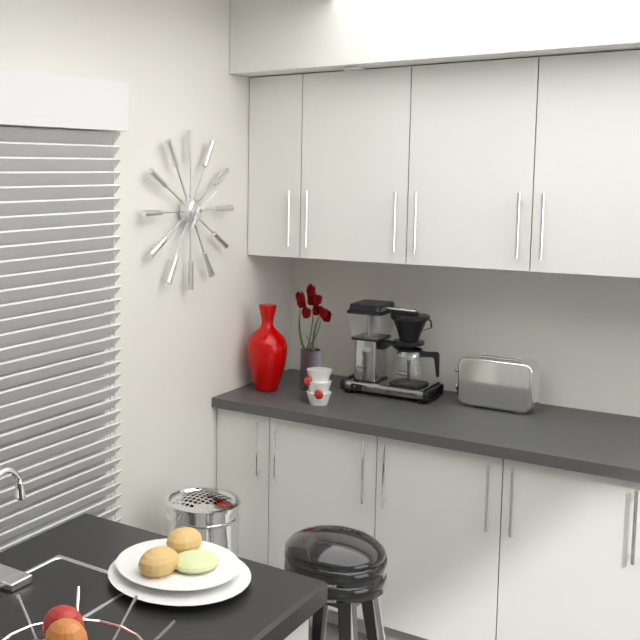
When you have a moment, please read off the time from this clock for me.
7:10
